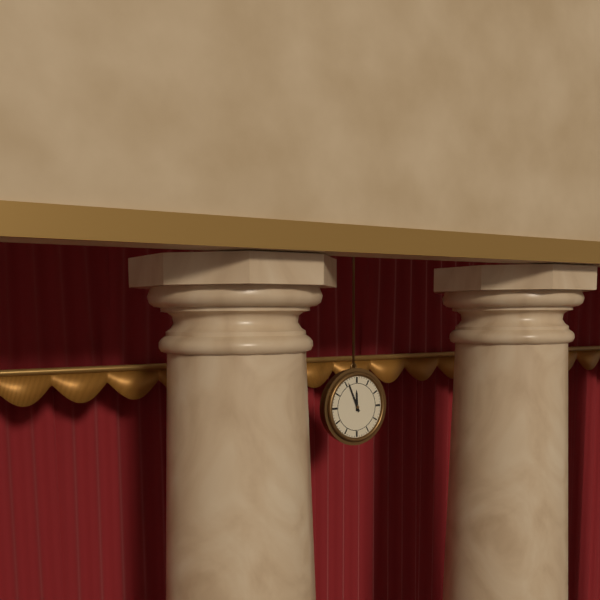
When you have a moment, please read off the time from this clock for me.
11:56
